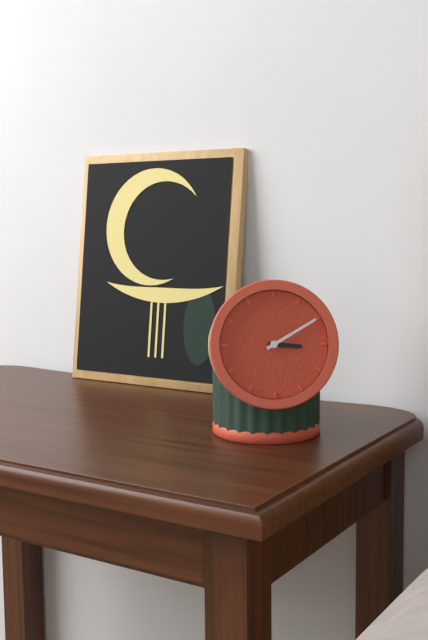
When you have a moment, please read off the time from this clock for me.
3:10
